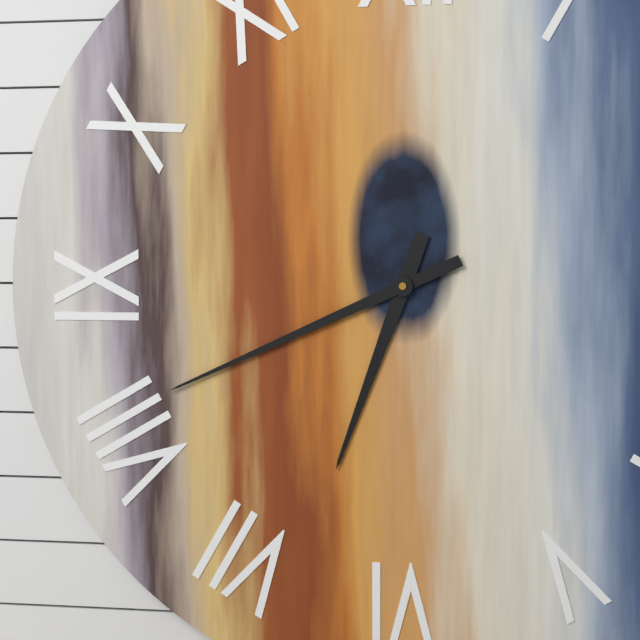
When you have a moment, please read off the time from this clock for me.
6:41
